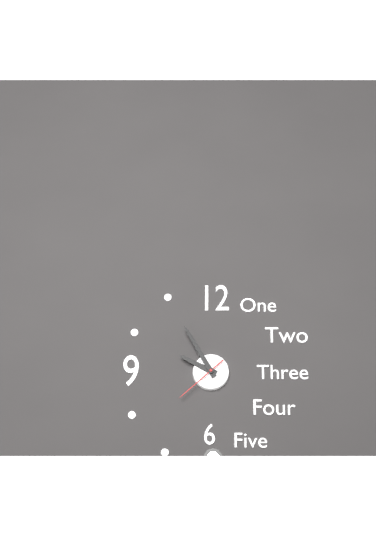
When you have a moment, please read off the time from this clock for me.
9:55:38
